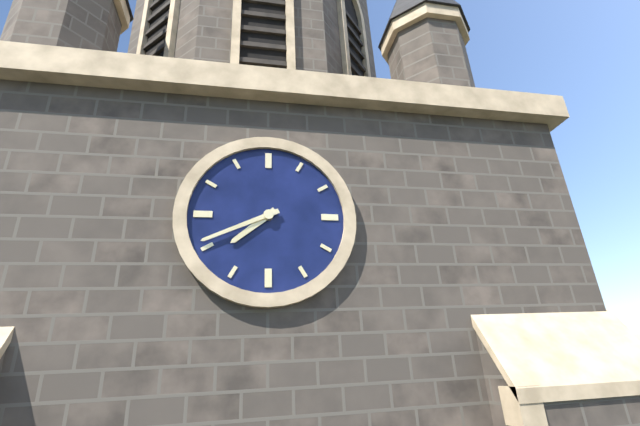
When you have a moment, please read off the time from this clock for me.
7:41
